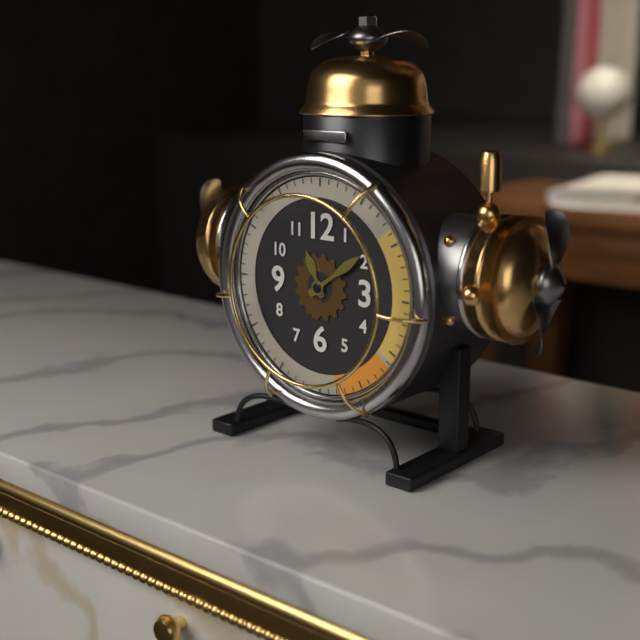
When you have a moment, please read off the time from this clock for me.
11:09
